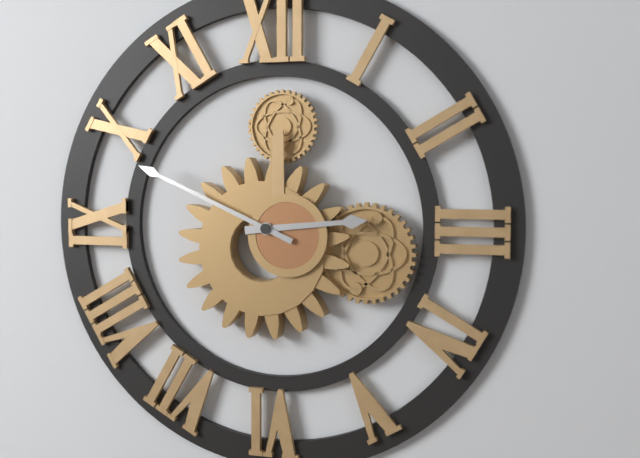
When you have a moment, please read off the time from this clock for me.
2:49
